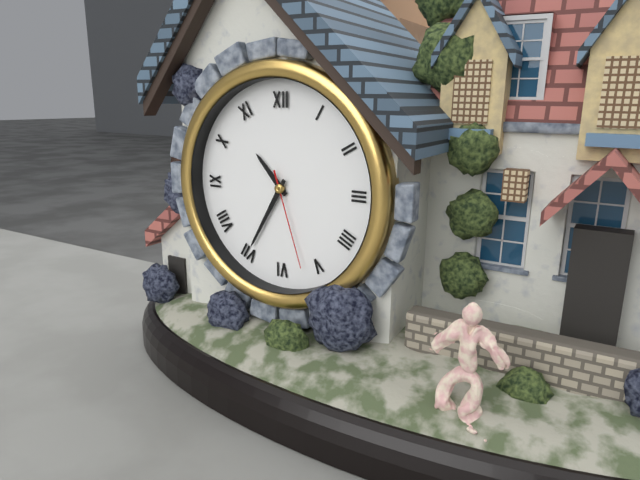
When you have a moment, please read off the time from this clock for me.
10:35:27
